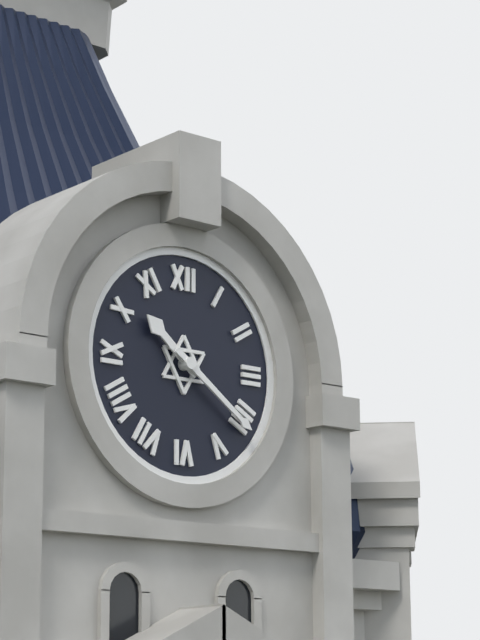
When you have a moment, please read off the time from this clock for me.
10:21
